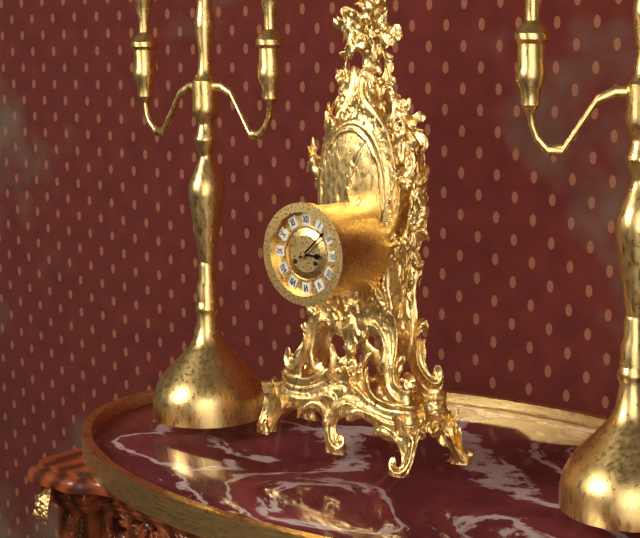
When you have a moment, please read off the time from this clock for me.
3:08
